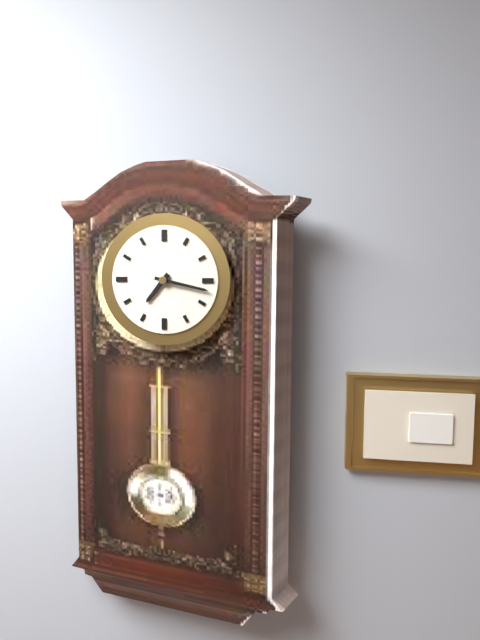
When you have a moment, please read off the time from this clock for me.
7:17
